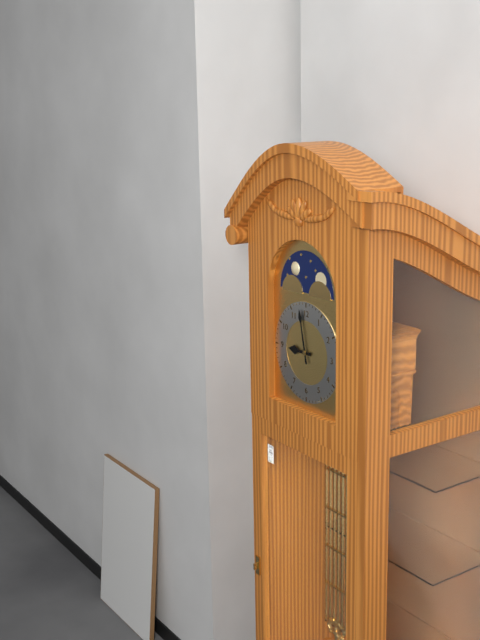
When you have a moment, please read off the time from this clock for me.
8:58
